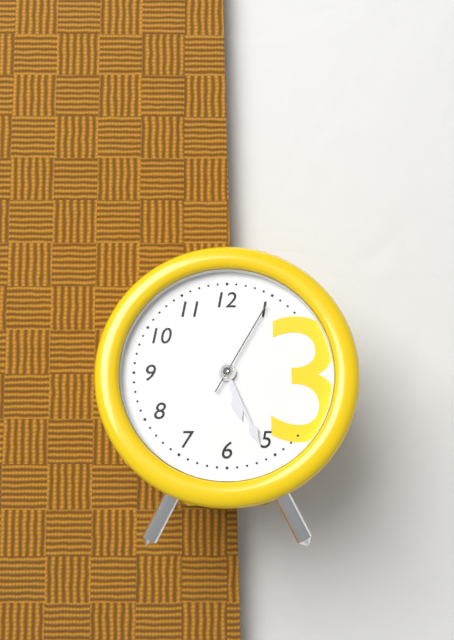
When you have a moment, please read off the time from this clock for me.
5:26:05
